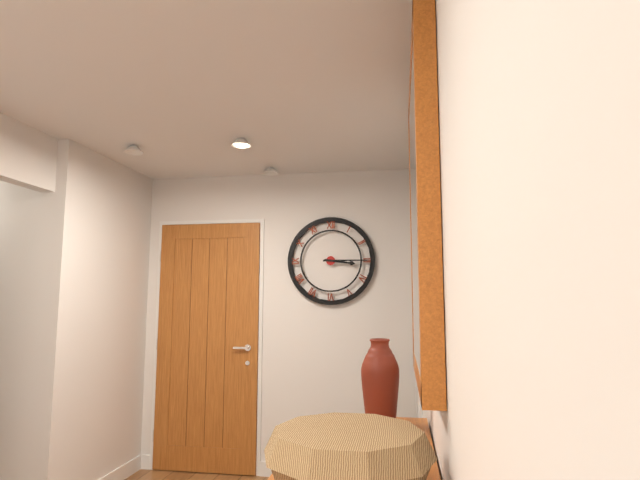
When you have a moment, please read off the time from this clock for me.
3:15
